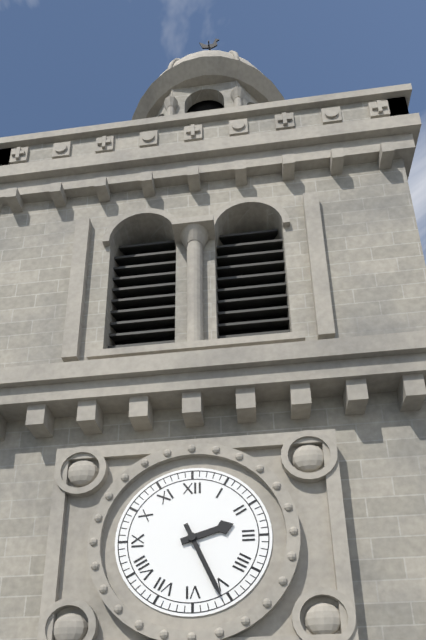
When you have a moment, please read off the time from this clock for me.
2:26
